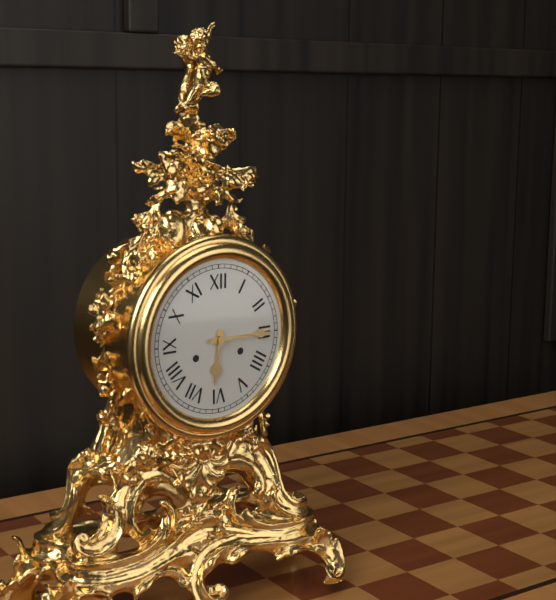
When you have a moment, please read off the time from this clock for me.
6:15
